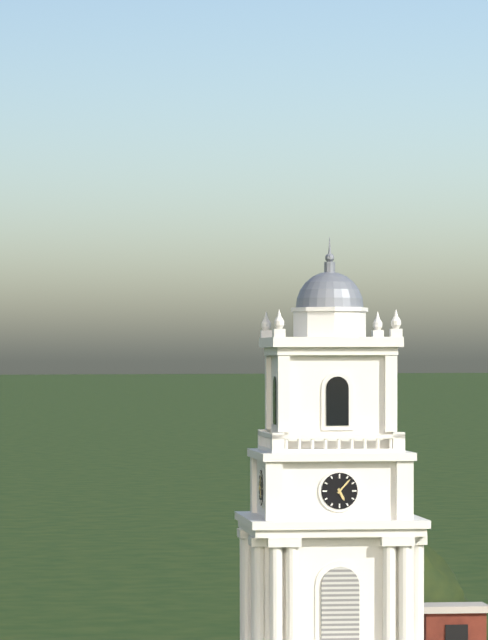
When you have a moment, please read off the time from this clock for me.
5:07
